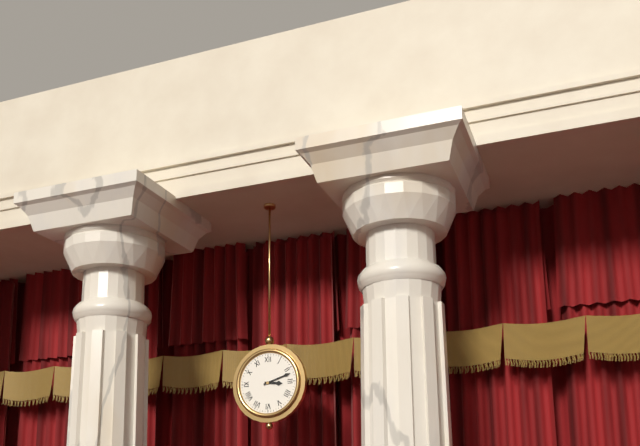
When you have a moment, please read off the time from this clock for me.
3:12
